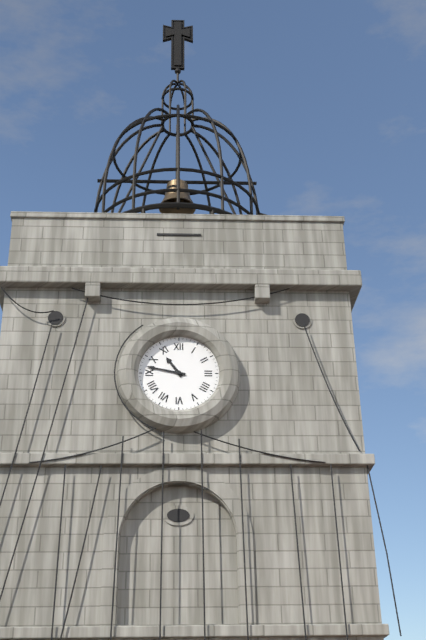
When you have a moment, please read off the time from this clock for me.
10:47
